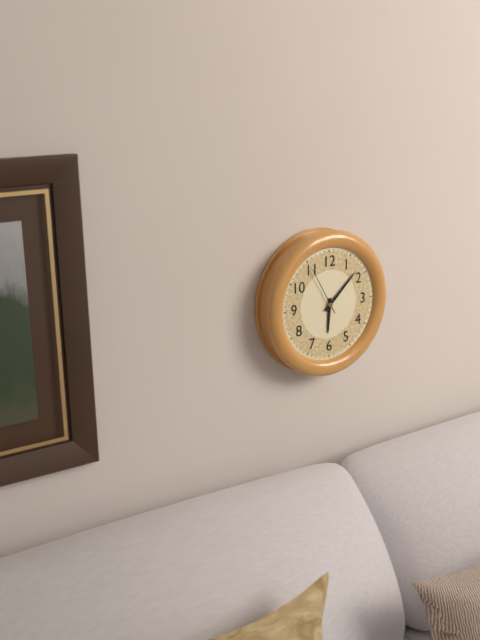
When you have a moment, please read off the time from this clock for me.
6:08:55
